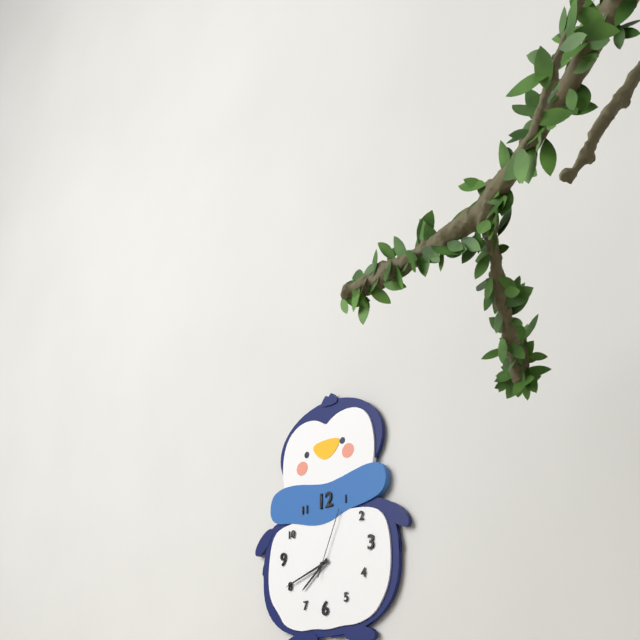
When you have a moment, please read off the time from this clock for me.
7:42:04
